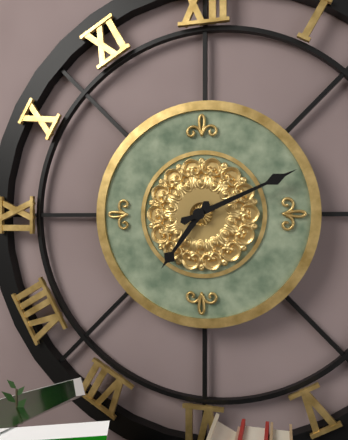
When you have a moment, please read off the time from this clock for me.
7:11
